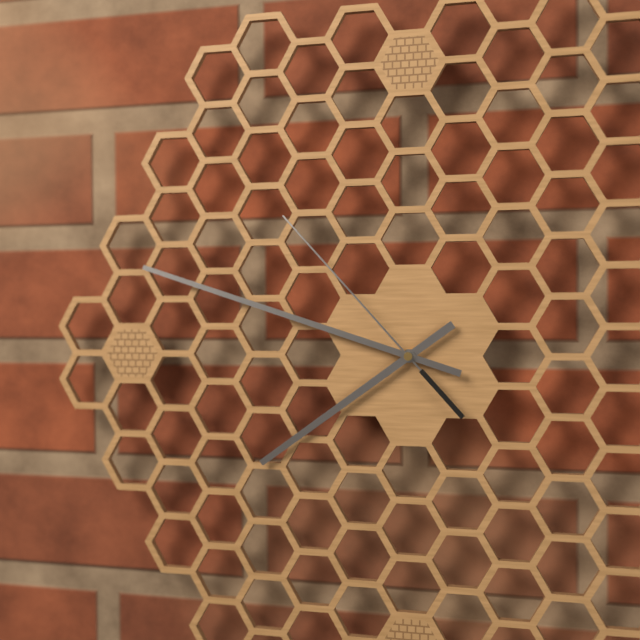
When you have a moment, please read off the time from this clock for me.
7:48:53
